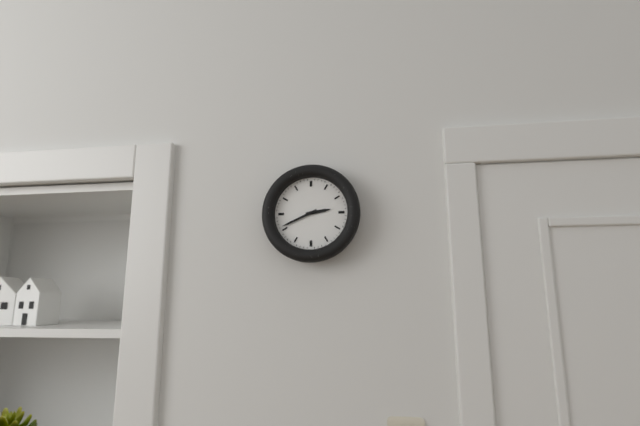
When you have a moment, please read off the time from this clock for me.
2:41
